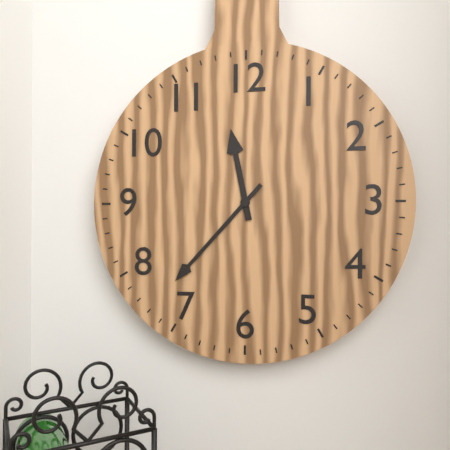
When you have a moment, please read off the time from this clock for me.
11:37
